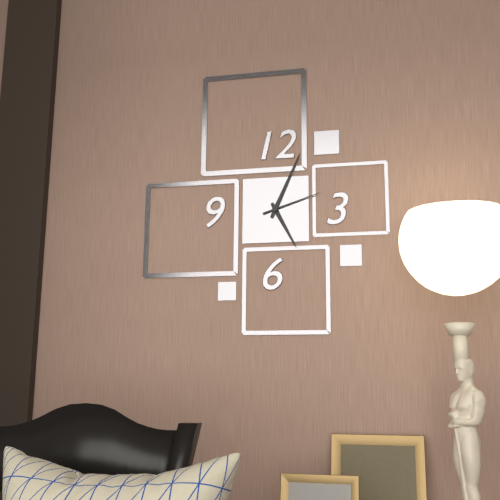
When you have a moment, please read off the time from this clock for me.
5:04:12
